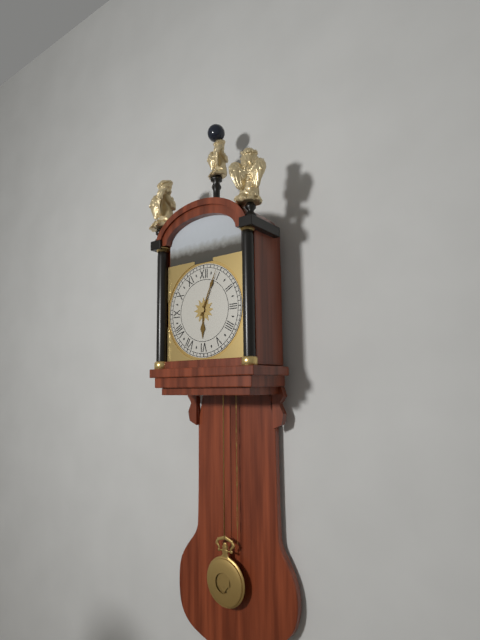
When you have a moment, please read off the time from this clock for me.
6:04
